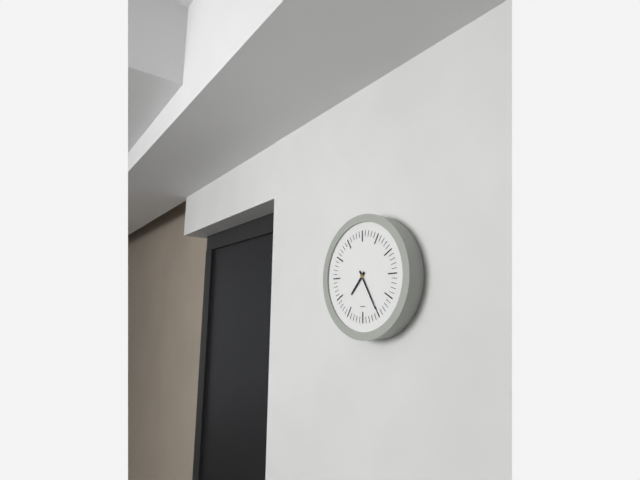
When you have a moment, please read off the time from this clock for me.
7:25
